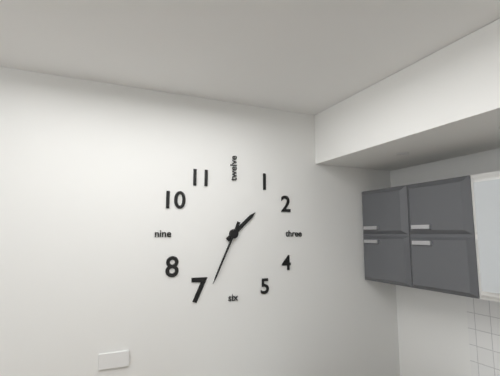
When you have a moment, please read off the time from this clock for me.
1:34
